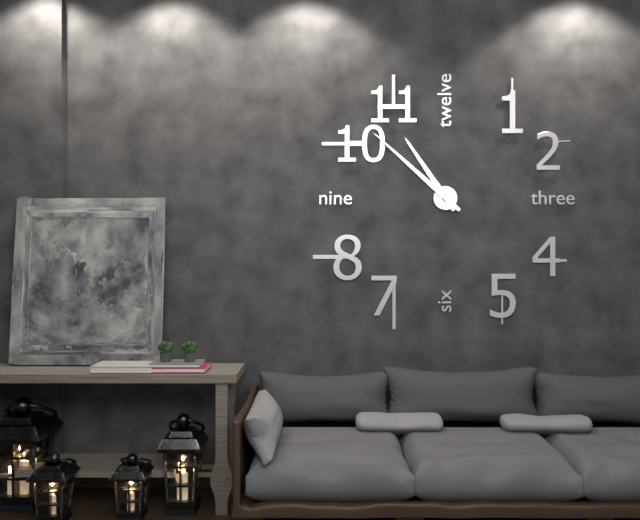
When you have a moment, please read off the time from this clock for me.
10:52
